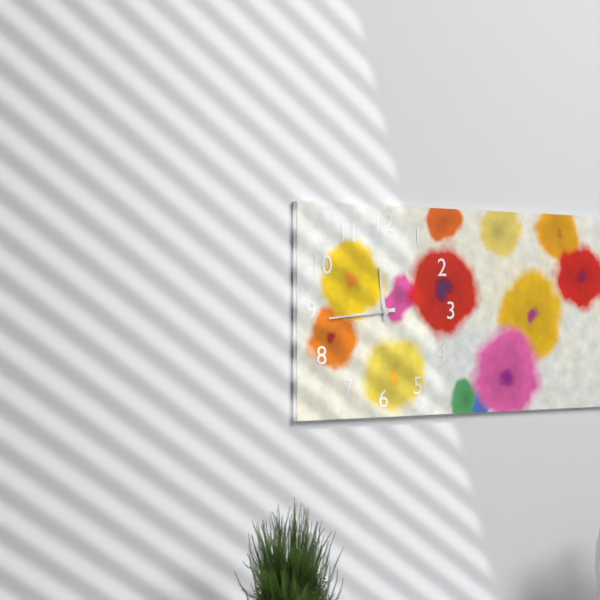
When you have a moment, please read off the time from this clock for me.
11:44
